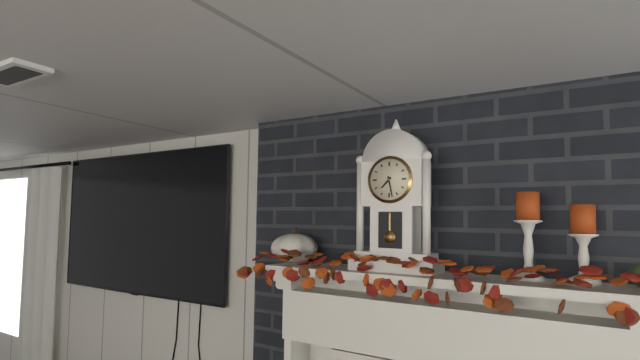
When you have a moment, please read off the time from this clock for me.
7:28
